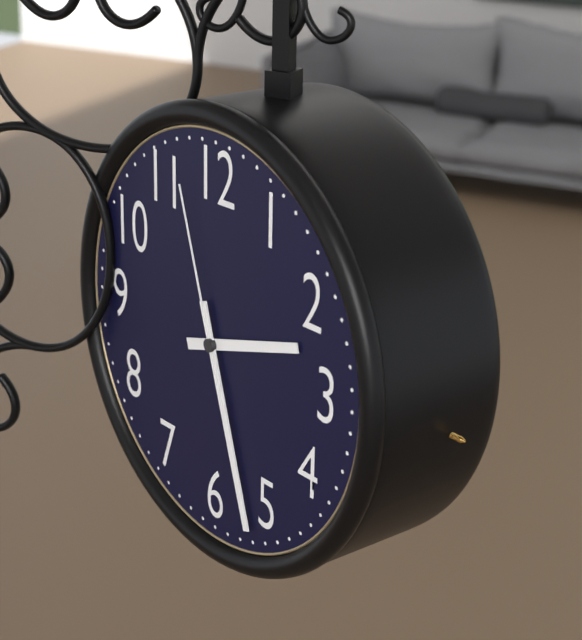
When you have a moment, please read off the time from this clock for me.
2:27:57
